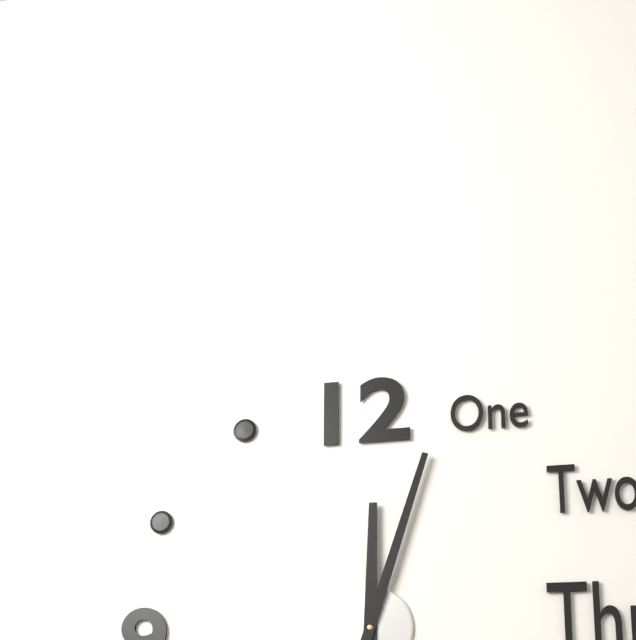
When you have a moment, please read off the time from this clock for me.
12:03
